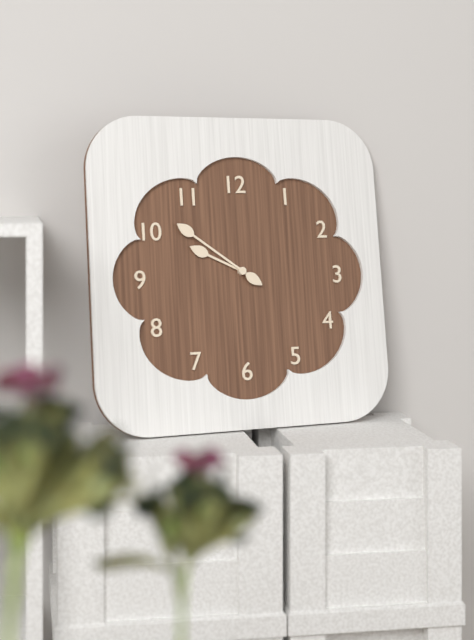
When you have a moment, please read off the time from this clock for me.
9:51
